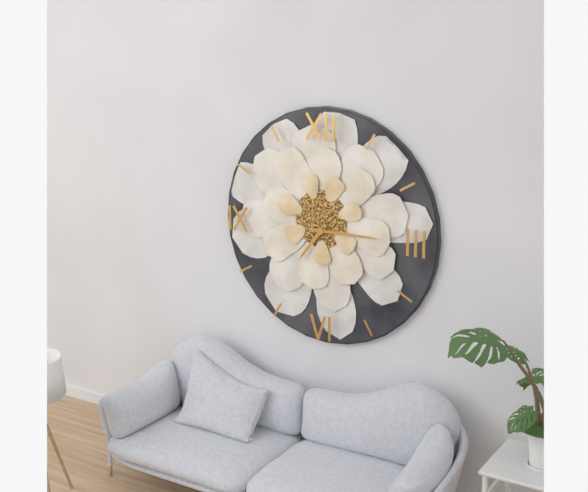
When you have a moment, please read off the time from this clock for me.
7:15
